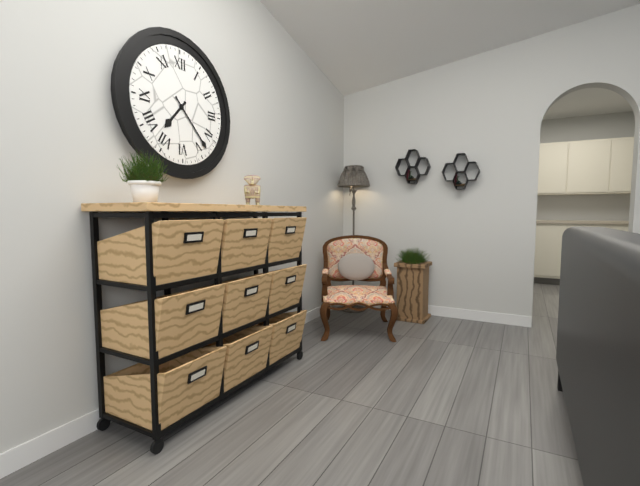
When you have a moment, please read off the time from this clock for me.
7:23
